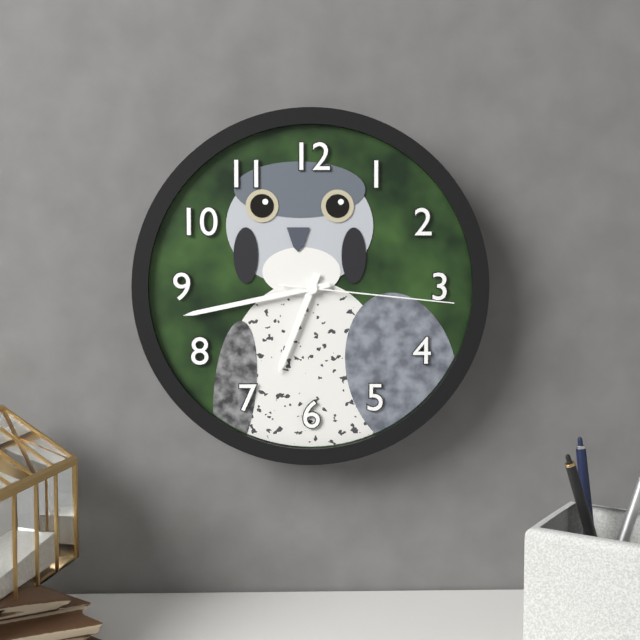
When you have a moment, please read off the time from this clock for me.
6:43:16
